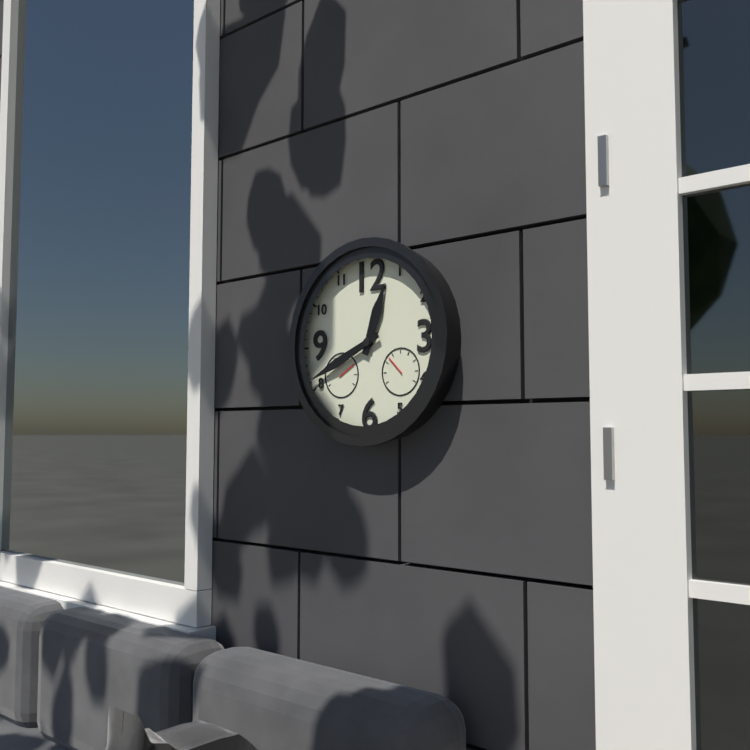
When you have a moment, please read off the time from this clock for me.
12:41
